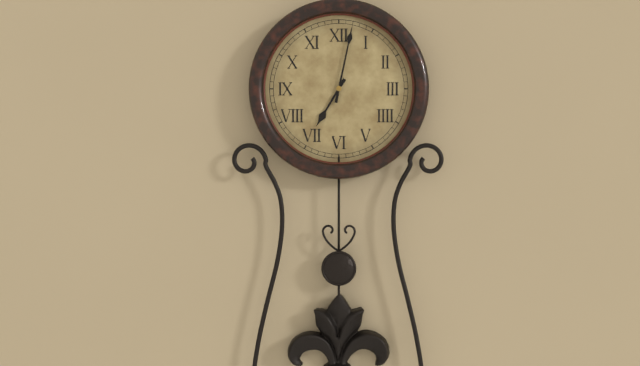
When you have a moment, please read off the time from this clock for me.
7:02
